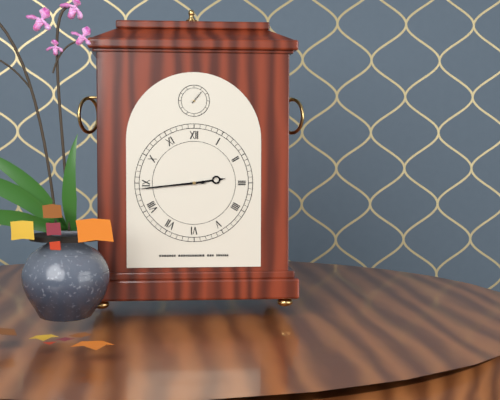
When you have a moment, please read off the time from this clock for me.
2:44
